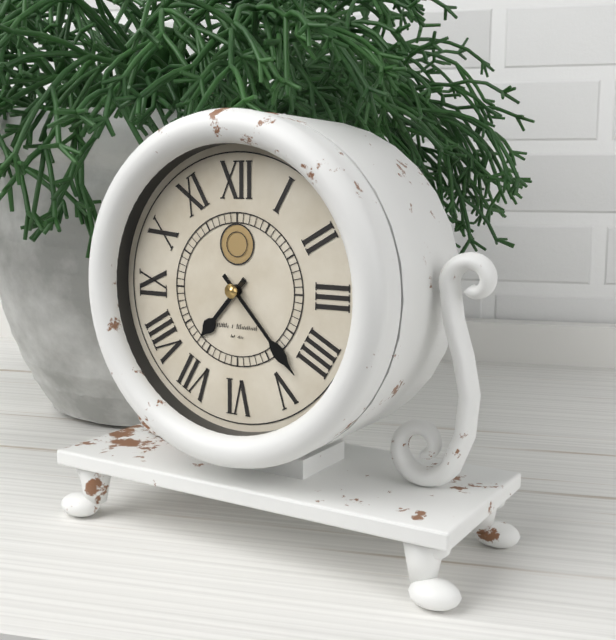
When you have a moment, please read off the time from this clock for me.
7:23
